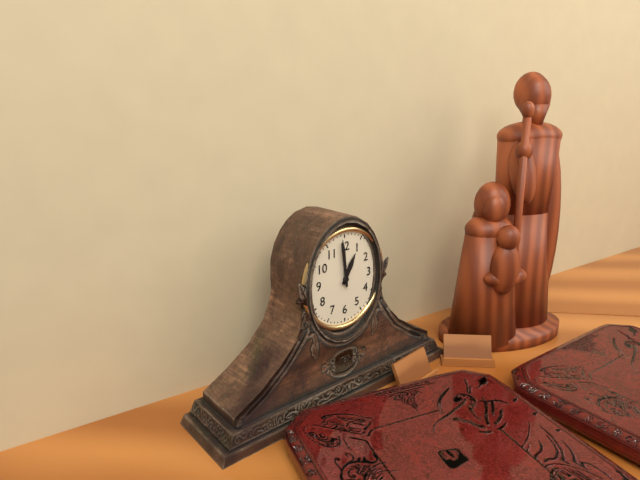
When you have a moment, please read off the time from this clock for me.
12:59
